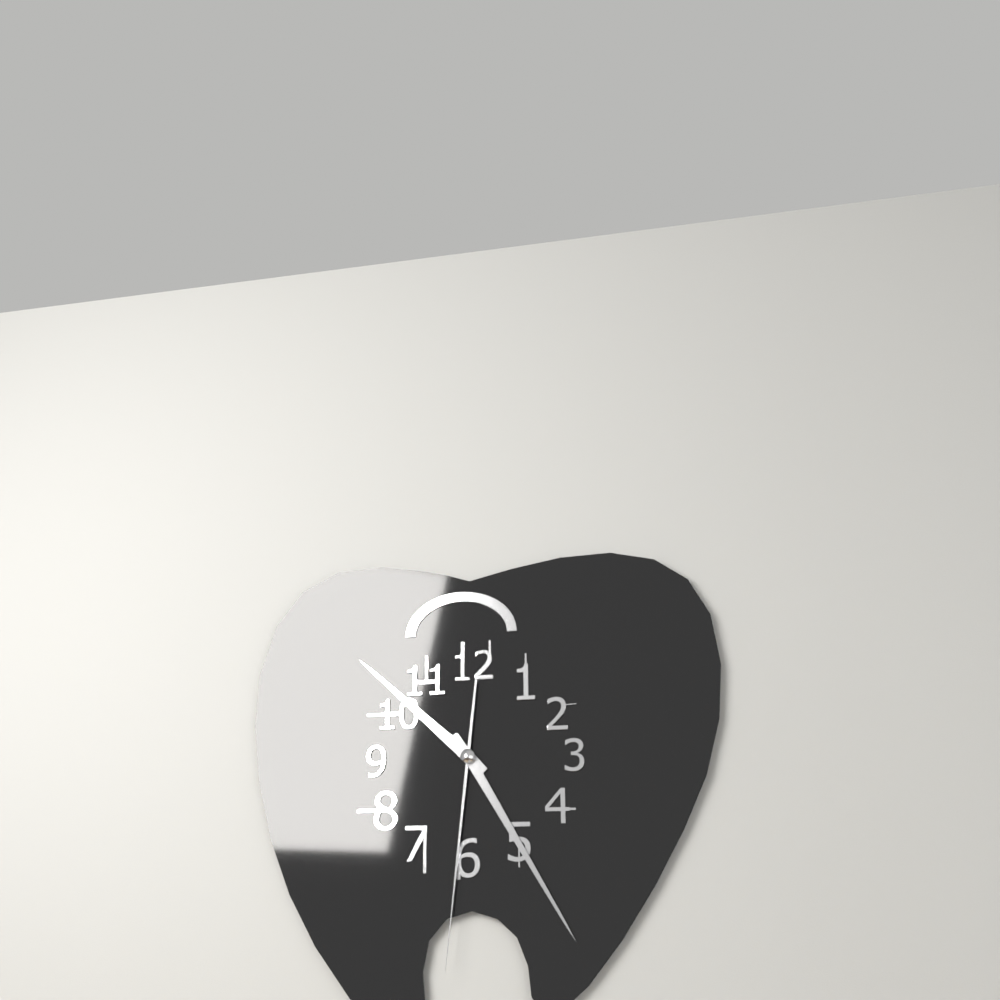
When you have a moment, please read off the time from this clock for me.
10:25:31
